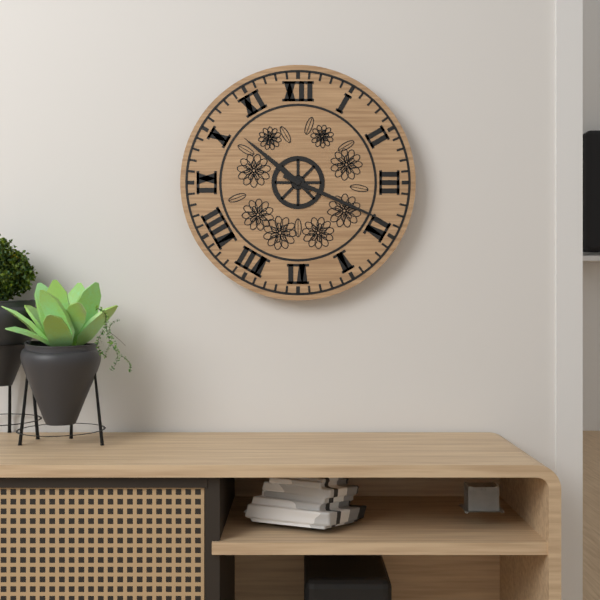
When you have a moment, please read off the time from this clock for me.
10:19
